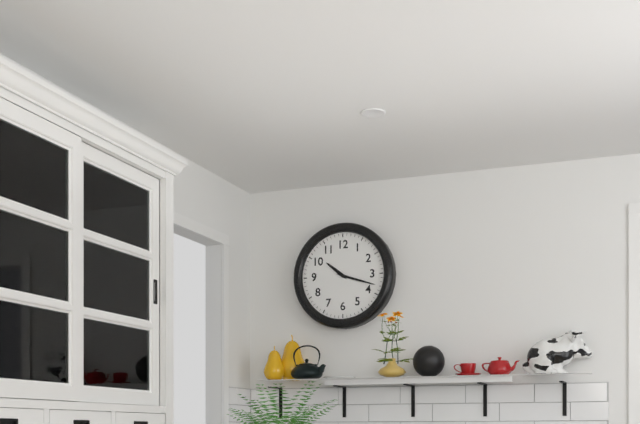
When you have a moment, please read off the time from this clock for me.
10:18
